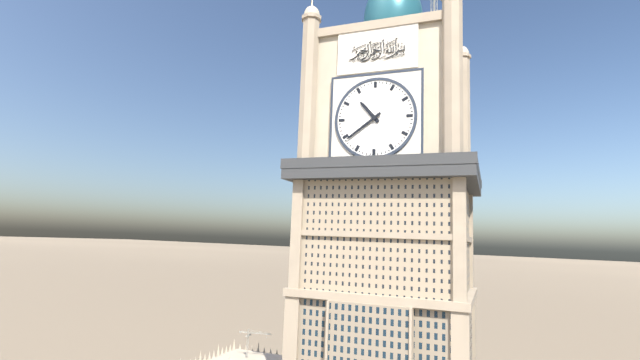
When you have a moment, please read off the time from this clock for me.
10:39
